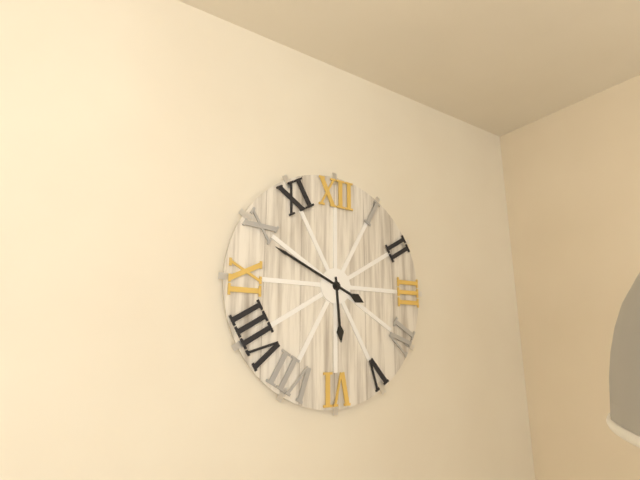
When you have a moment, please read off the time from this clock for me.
5:49
